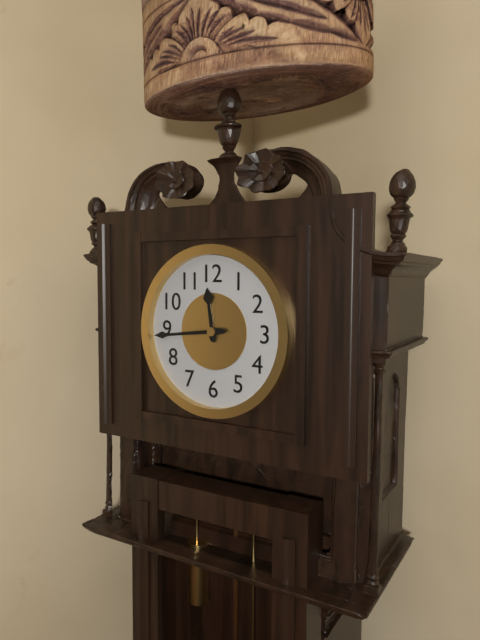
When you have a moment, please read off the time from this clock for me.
11:44
